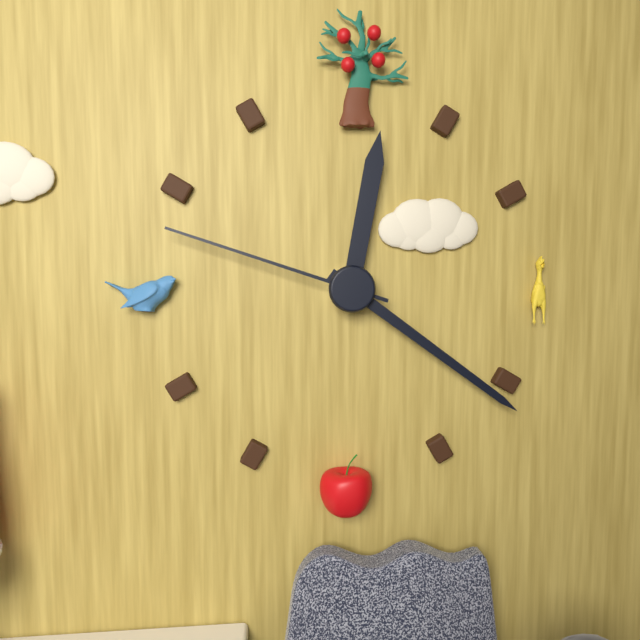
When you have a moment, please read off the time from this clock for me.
12:21:48
